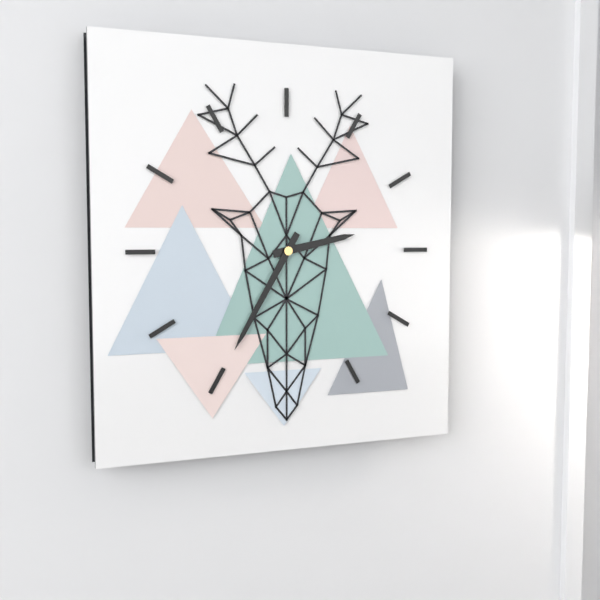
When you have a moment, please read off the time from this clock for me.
2:35
